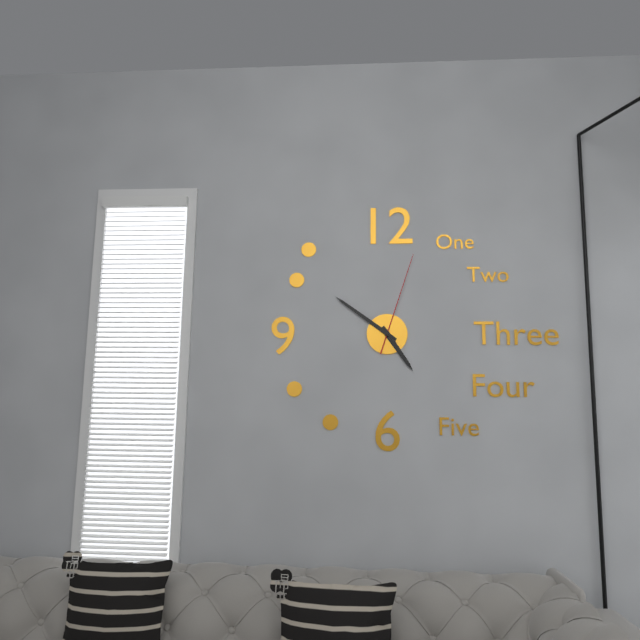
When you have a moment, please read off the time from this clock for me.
4:51:03
